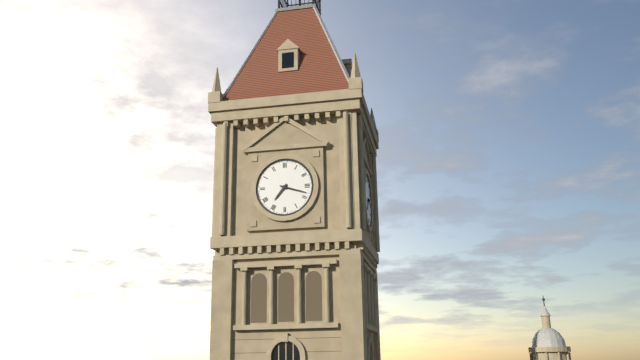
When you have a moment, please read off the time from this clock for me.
7:18
